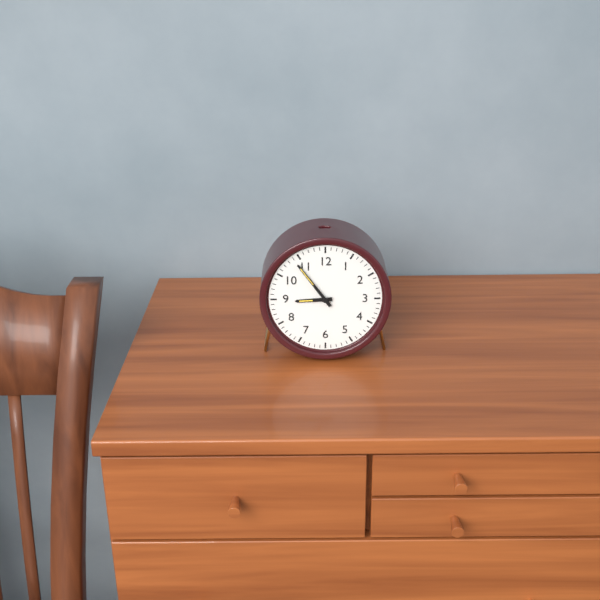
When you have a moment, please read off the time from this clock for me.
8:54
